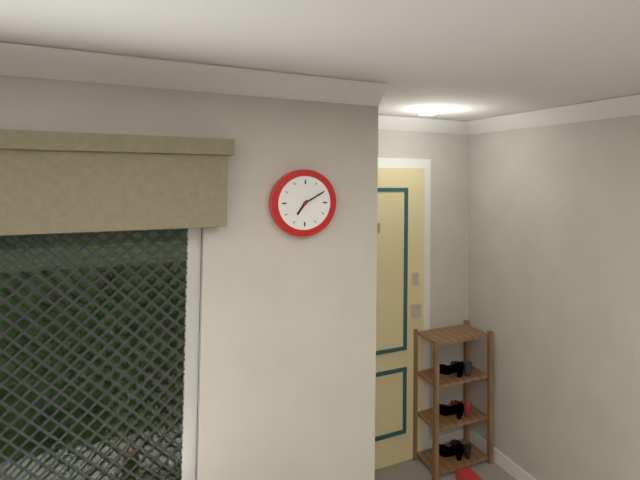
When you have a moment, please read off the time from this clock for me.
7:10
